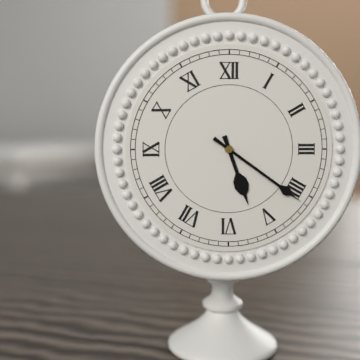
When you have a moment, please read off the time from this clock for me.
5:21
